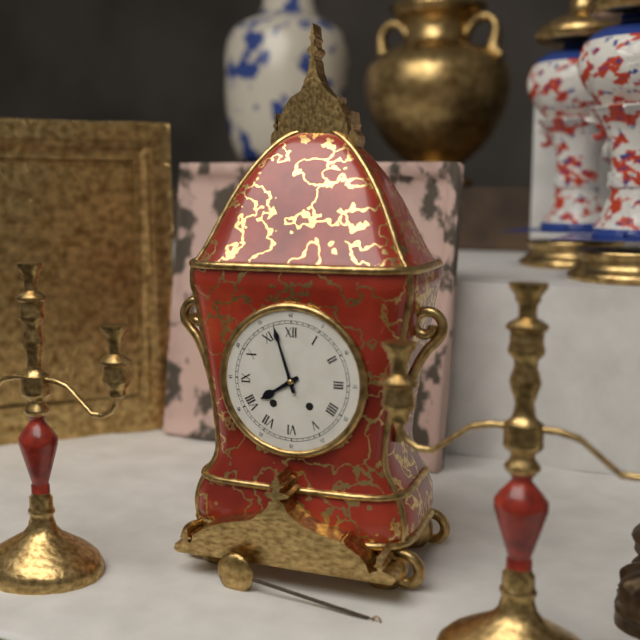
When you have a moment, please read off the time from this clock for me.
7:57
